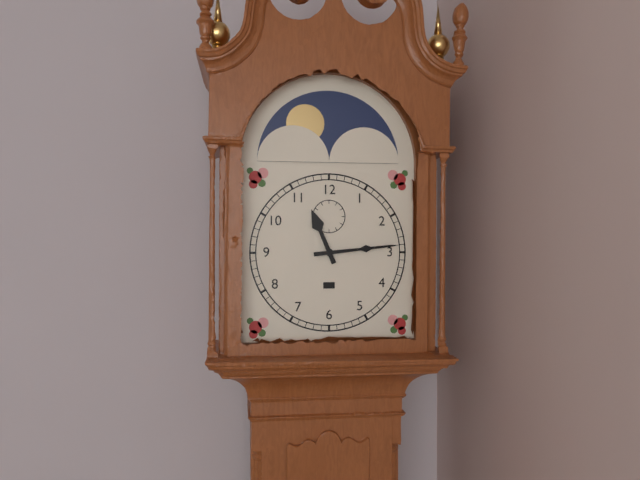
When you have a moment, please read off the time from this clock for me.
11:14
